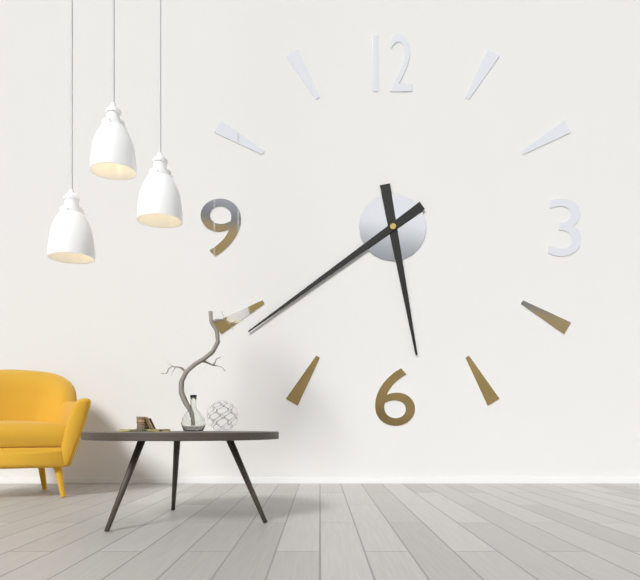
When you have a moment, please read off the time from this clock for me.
5:39
